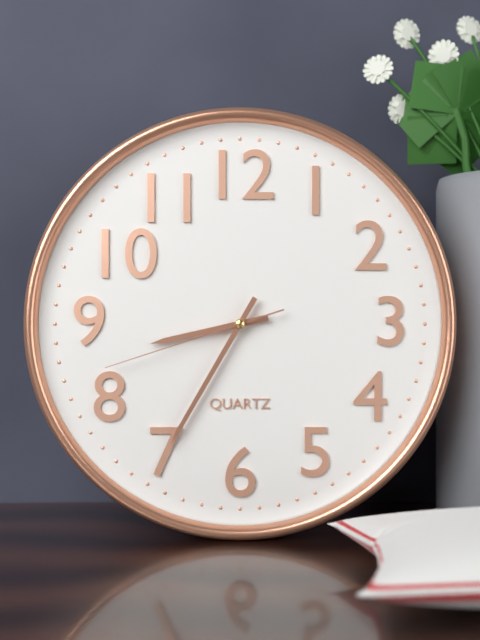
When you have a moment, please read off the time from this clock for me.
8:35:42
